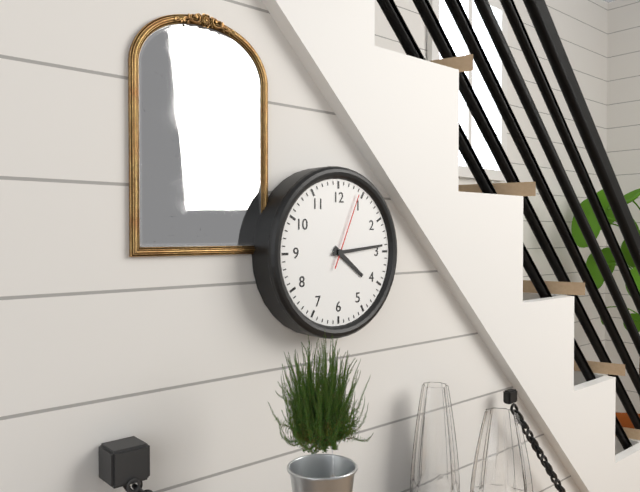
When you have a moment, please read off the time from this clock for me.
4:14:04
